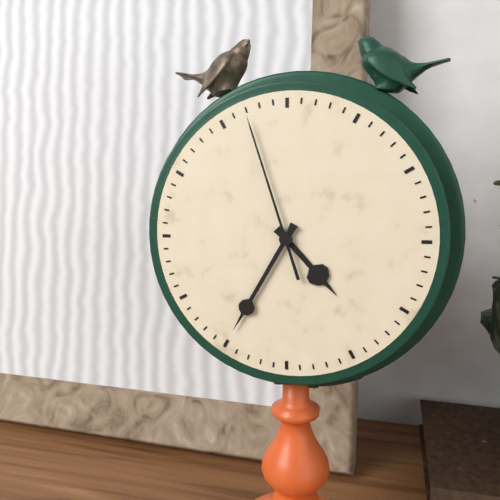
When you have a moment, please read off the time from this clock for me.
4:35:57
